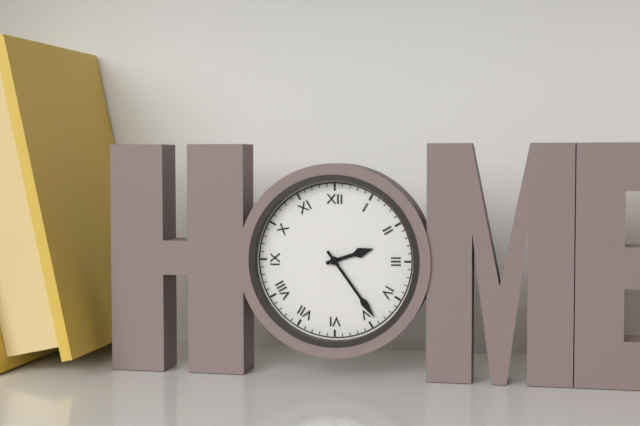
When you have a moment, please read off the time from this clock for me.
2:24
